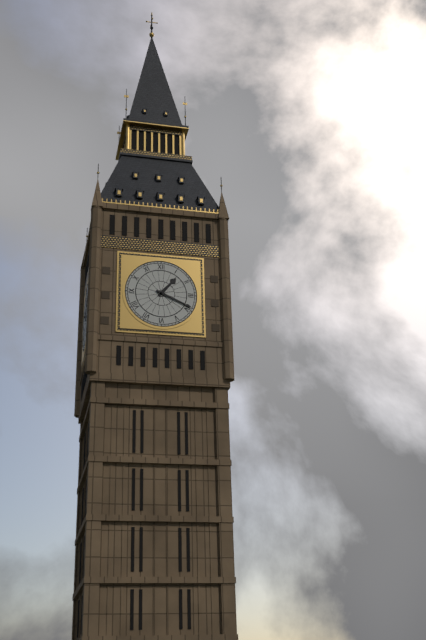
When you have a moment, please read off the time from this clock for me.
1:19
